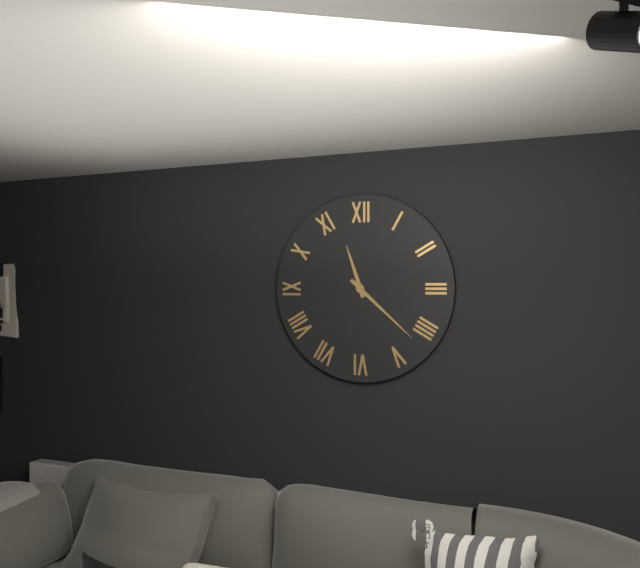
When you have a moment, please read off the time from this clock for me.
11:22
